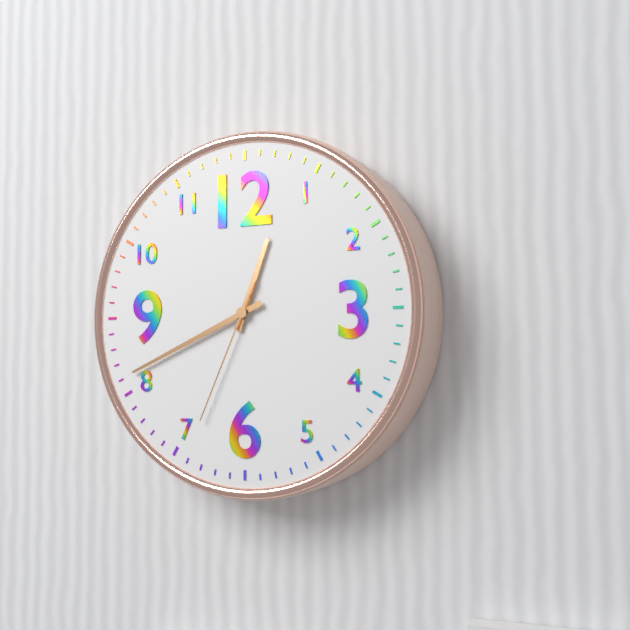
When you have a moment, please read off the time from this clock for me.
12:41:34
